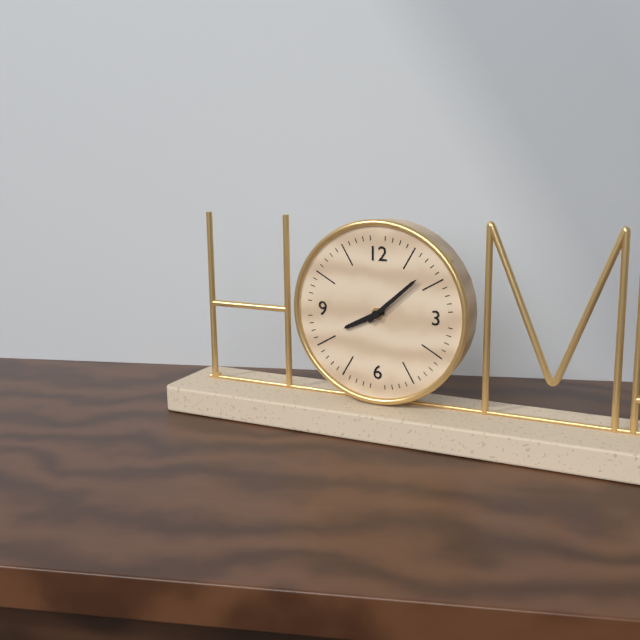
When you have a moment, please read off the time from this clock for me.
8:08
